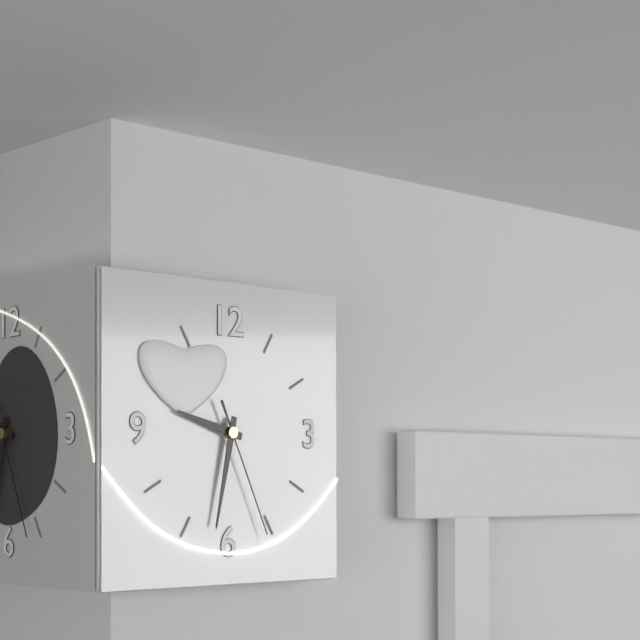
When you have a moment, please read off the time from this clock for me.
9:32:26
